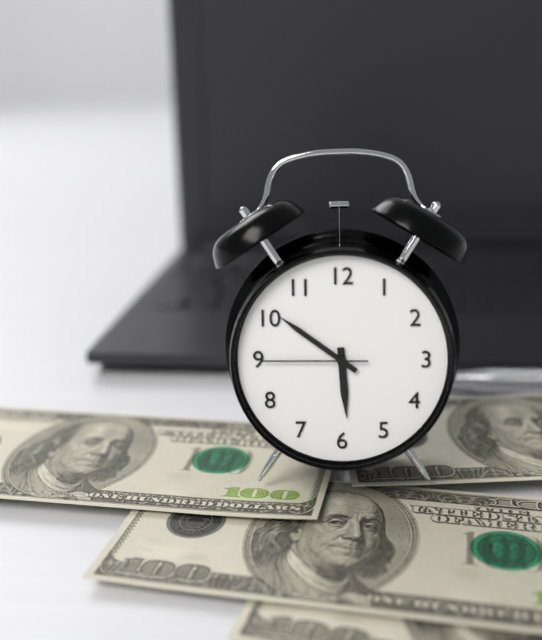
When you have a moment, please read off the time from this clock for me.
5:51:45
